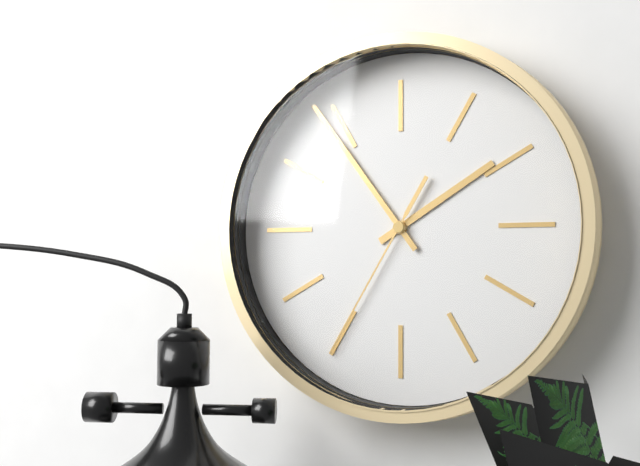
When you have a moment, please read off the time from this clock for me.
1:54:35
